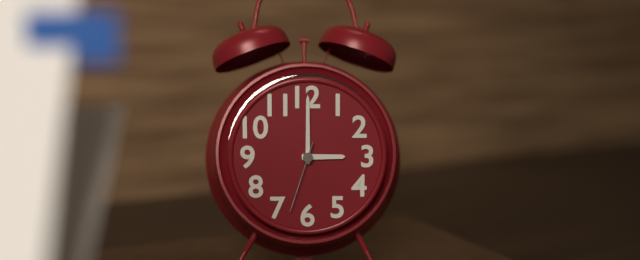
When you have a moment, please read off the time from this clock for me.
3:00:33
